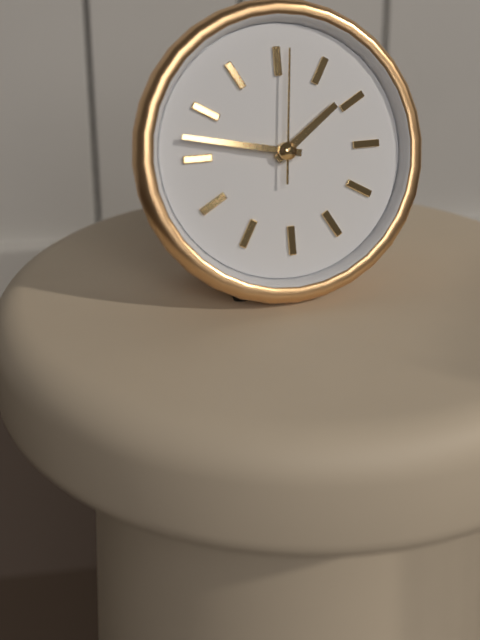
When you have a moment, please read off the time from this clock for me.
1:47:01
